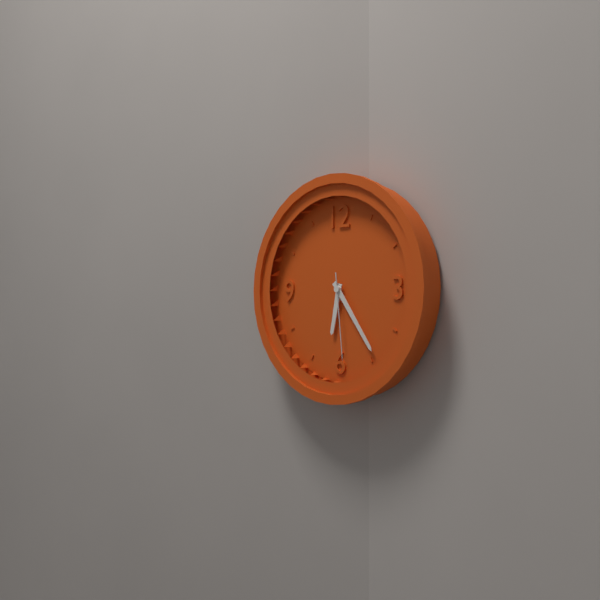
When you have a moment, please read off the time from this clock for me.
6:24:29
